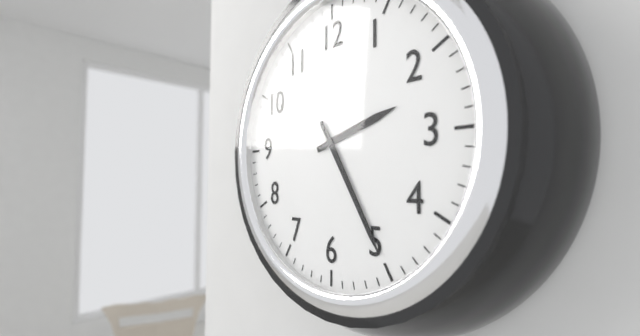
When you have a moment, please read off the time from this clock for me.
2:25
